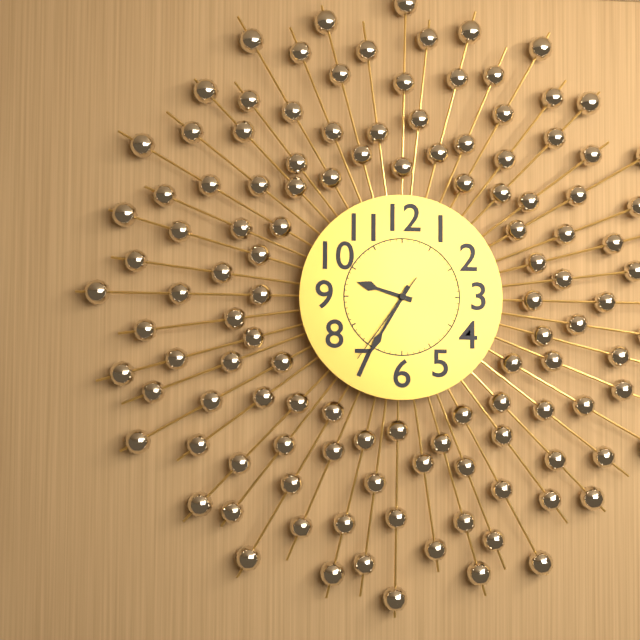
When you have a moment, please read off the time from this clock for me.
9:35:36
